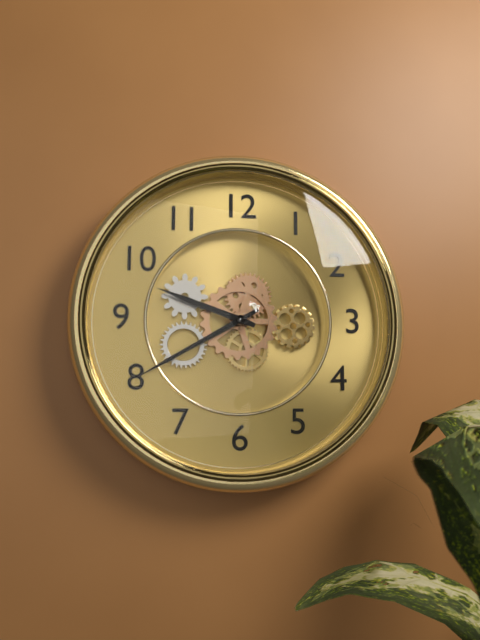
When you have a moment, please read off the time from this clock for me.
9:40
